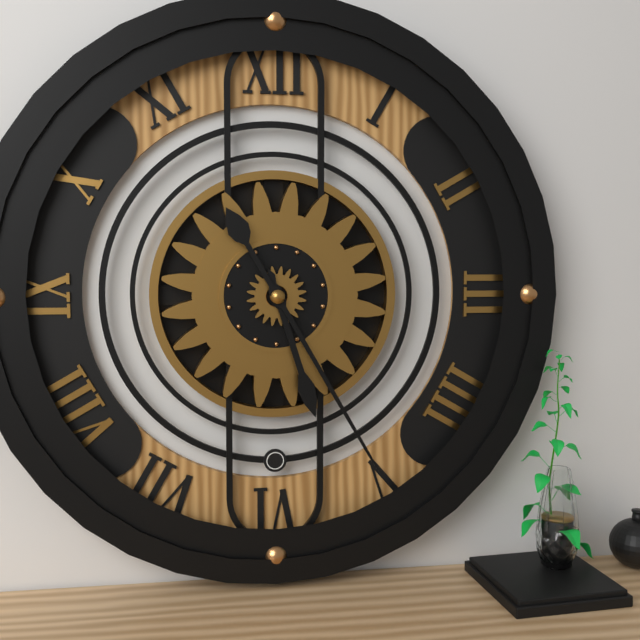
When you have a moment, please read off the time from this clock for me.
5:25
